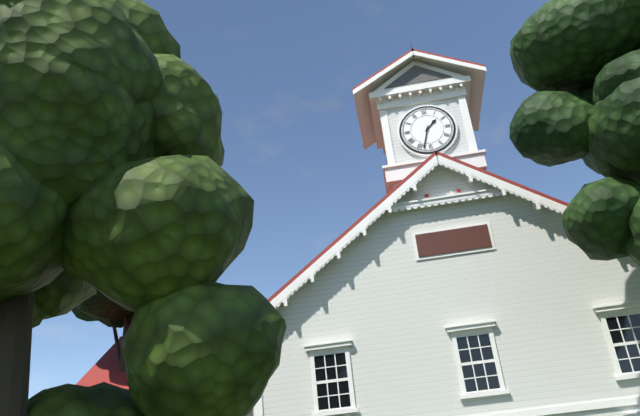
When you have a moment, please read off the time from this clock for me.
1:33
